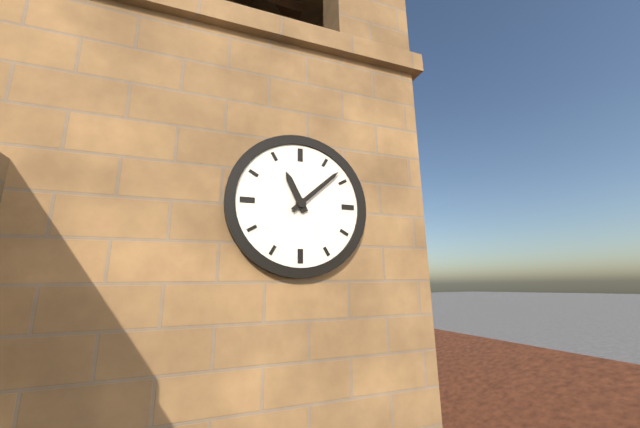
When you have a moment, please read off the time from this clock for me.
11:08
